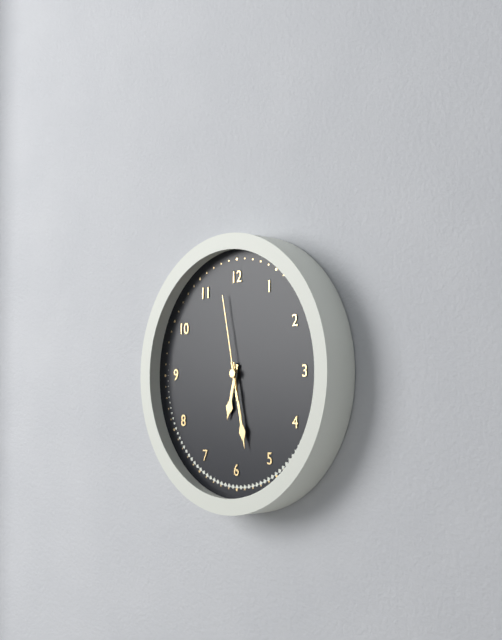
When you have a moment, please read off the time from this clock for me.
6:28:58
